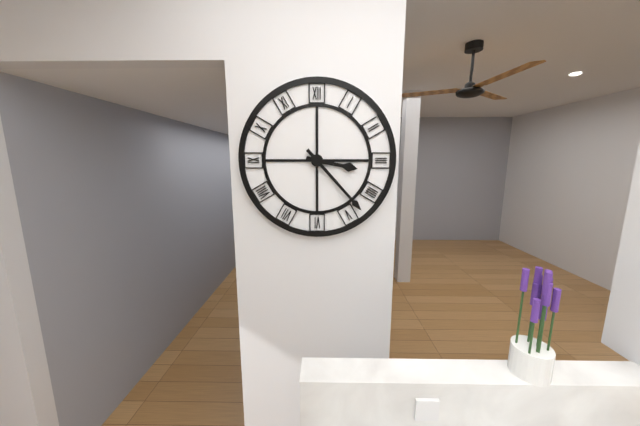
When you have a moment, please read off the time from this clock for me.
3:23
